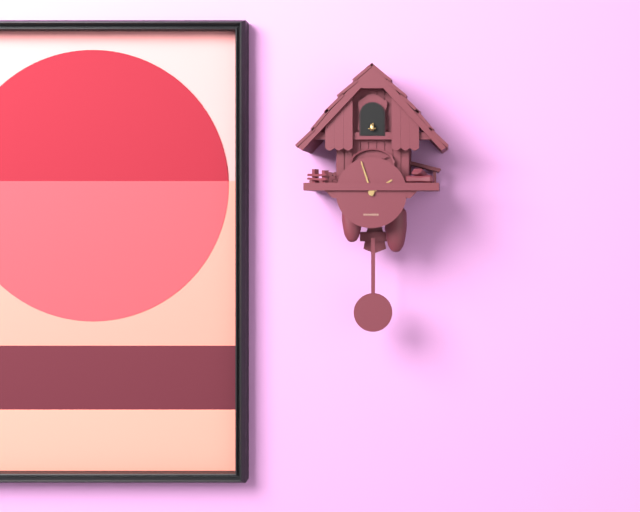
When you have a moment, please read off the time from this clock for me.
1:57
